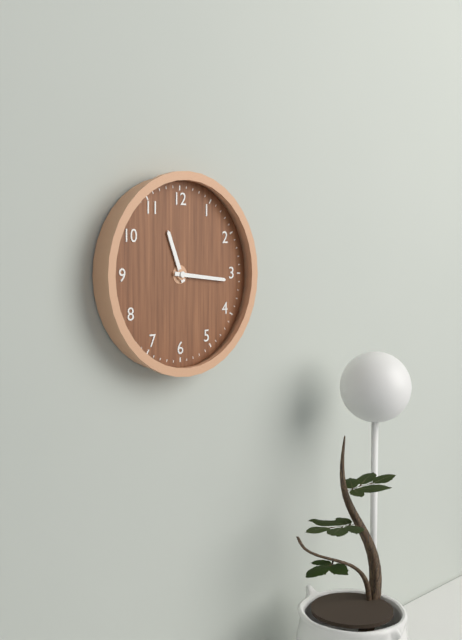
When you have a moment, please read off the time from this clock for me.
11:16
